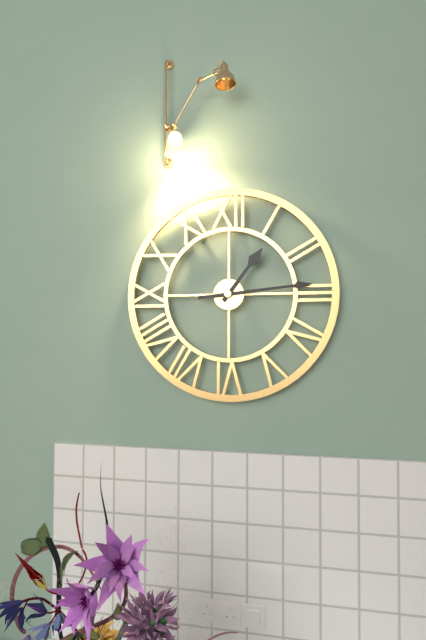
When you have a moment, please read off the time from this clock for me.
1:14
